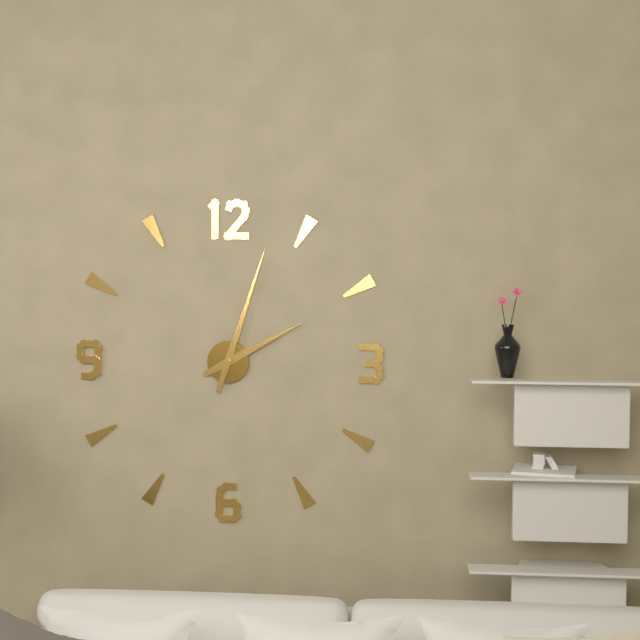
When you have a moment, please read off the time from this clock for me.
2:03
